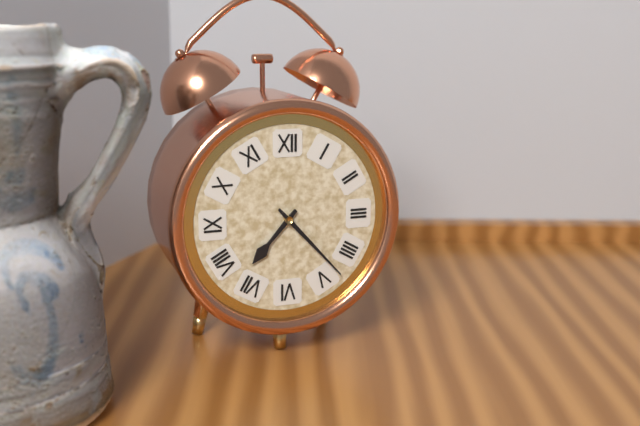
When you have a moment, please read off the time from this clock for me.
7:23
